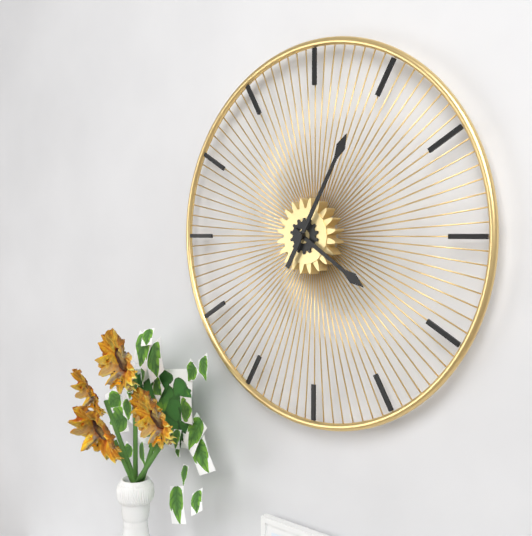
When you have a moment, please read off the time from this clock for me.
4:05
